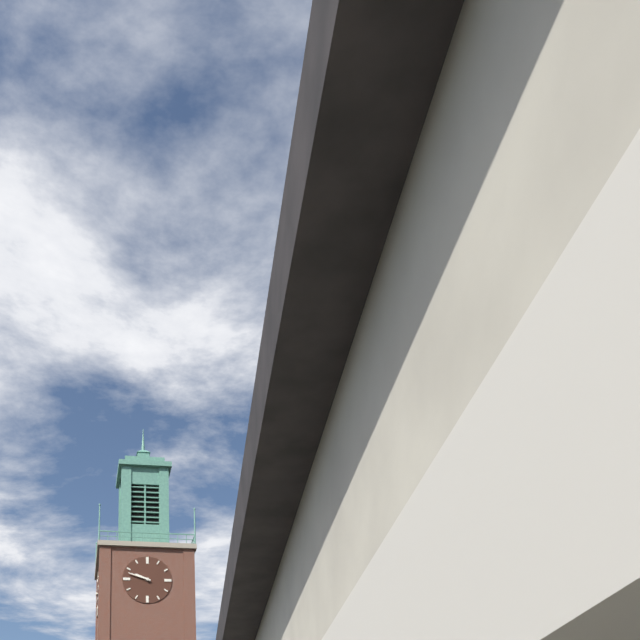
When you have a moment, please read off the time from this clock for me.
9:48
